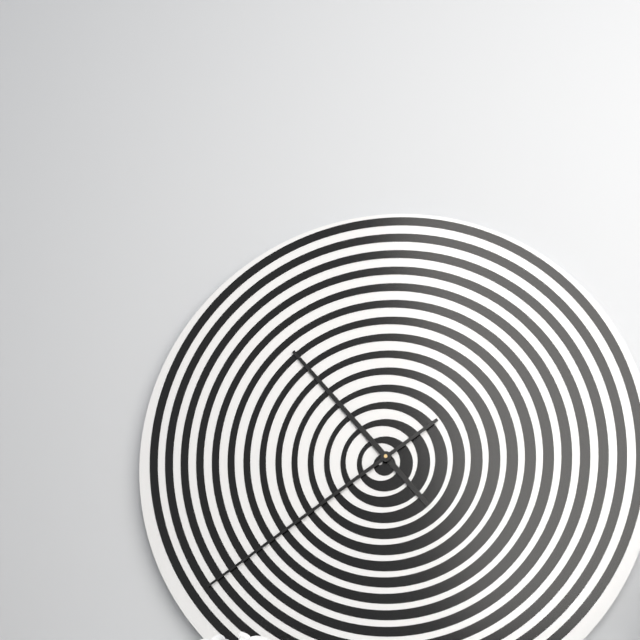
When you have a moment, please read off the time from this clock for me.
10:39
